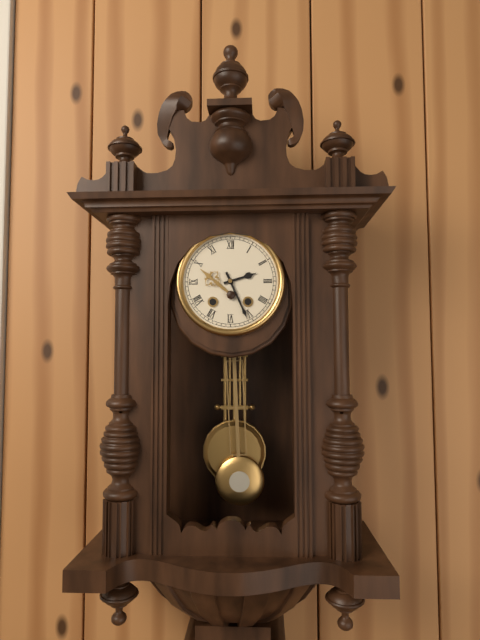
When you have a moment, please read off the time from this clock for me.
2:26
